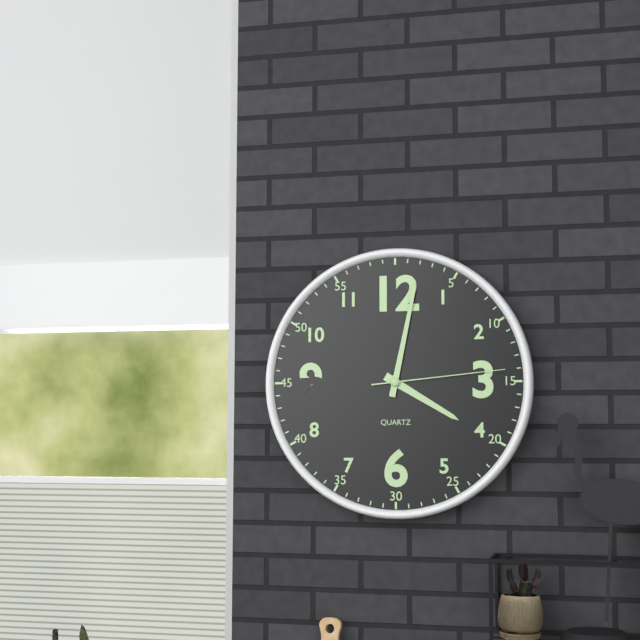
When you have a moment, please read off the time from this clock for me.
4:02:14
